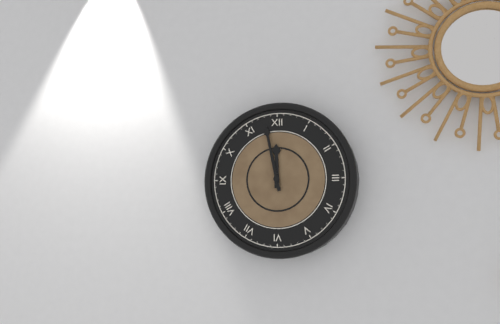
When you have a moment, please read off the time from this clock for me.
11:58
